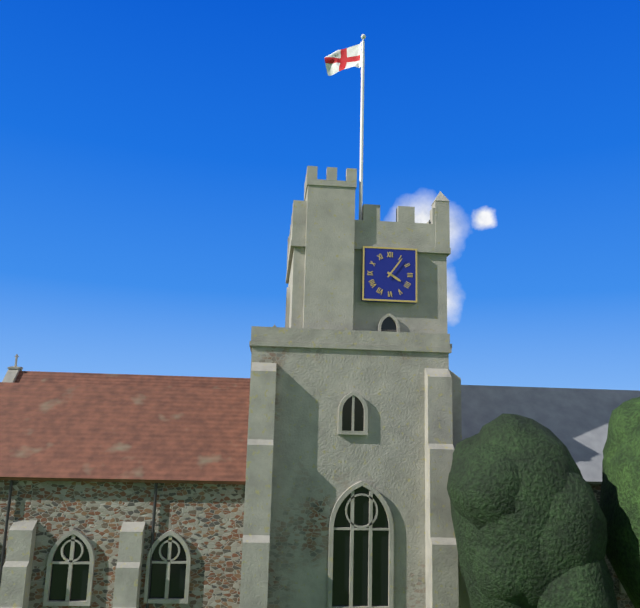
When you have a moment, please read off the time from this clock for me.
4:06
